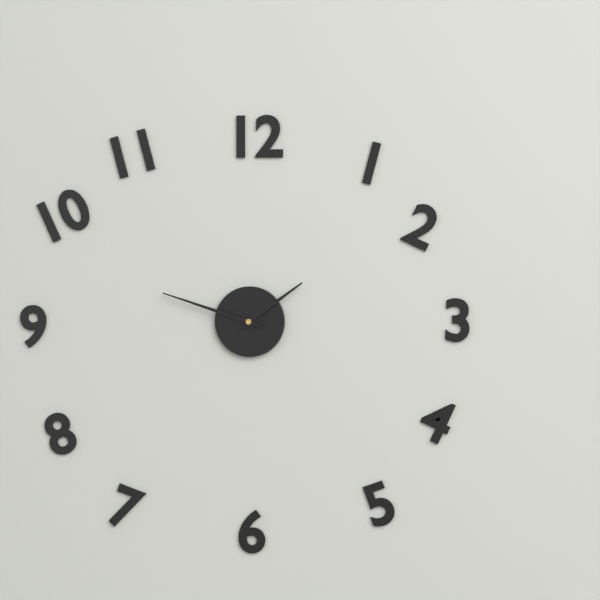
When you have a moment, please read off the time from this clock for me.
1:48
